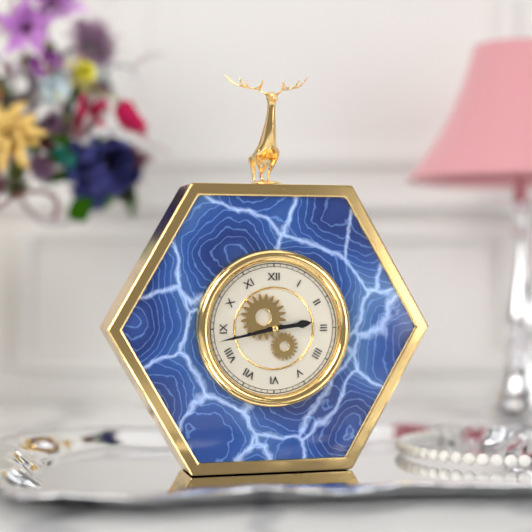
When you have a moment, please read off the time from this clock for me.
2:43
